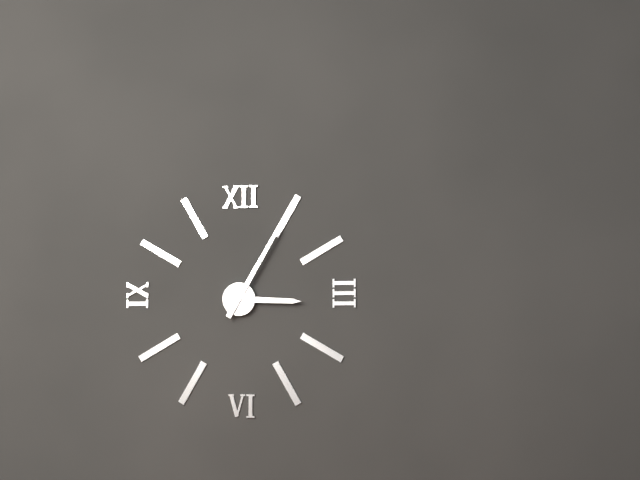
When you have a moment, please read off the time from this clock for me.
3:05
